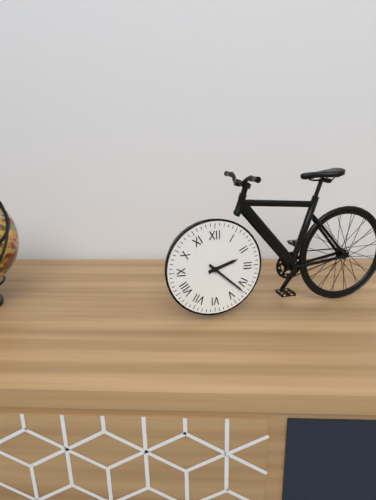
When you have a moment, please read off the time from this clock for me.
2:22
